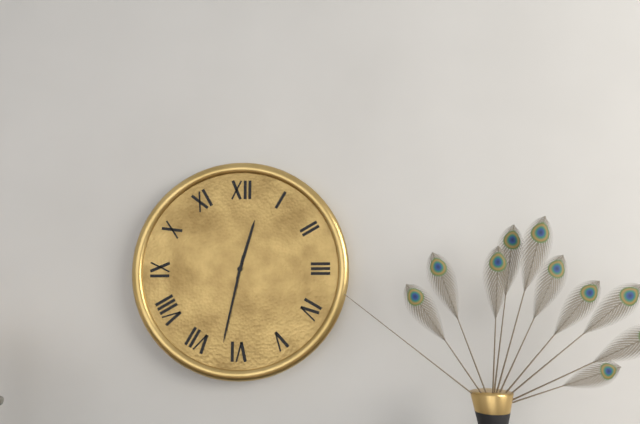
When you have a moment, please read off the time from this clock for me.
12:32
